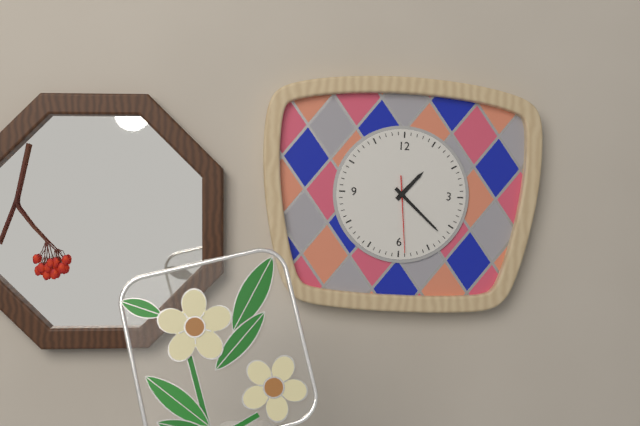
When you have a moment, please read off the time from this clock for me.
1:22:29
